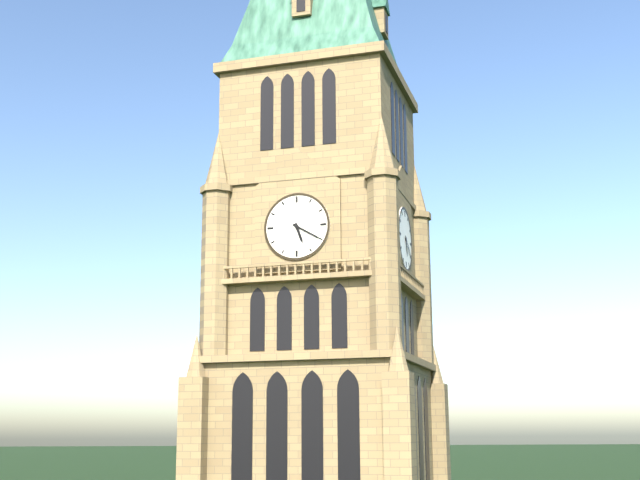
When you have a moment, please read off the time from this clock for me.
5:20
